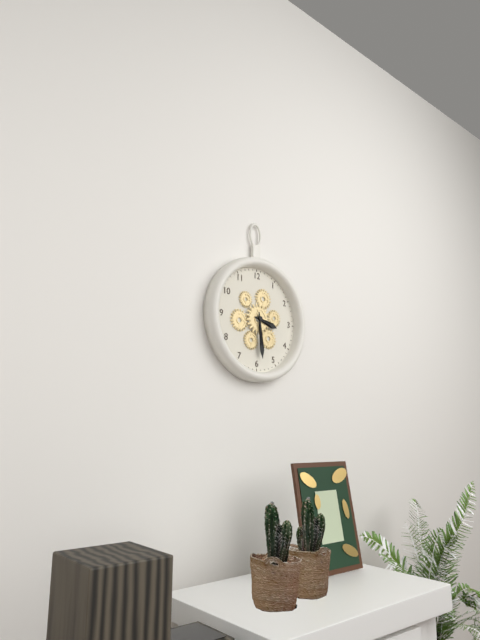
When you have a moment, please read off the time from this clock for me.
3:29
